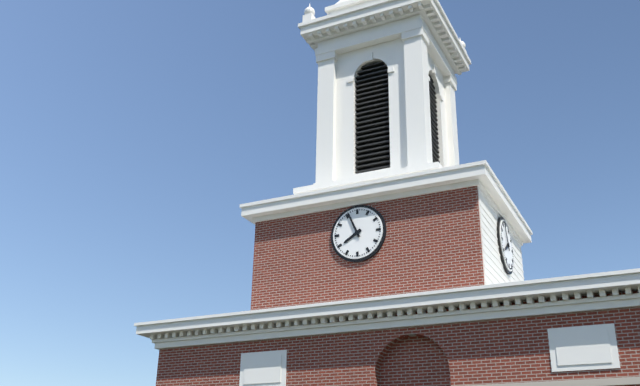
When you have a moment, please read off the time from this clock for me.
7:56
